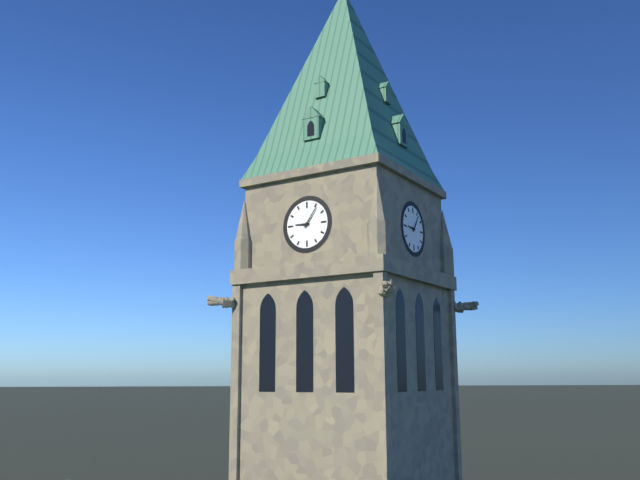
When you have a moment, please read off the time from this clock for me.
9:06
